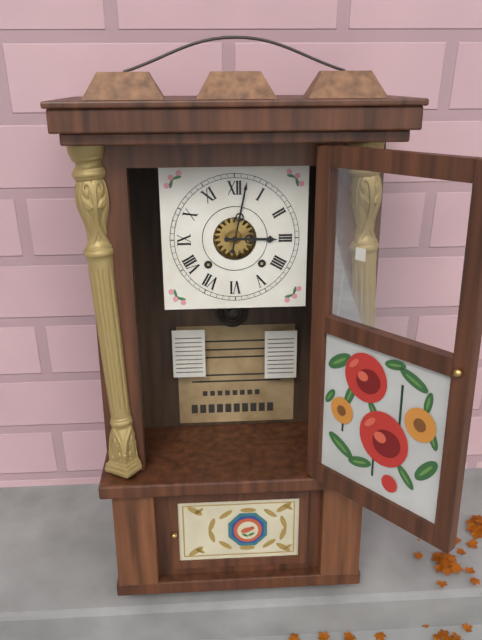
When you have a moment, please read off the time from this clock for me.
3:02
